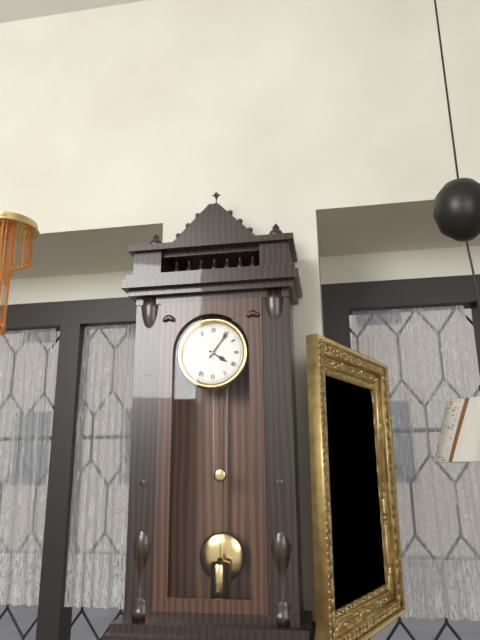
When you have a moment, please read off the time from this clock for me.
4:06
